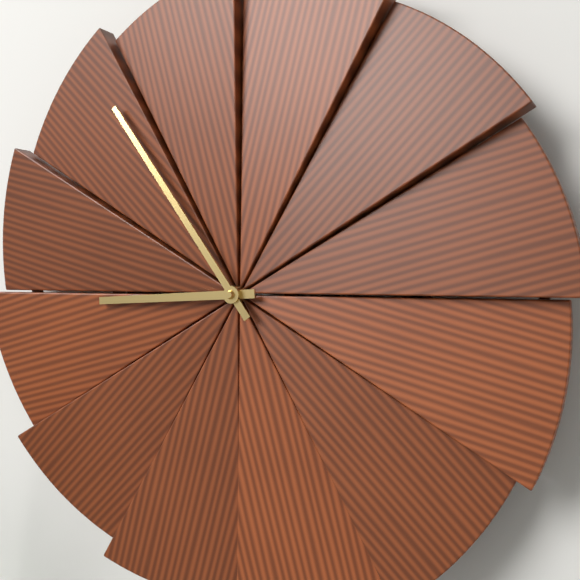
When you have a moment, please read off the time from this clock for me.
8:54
